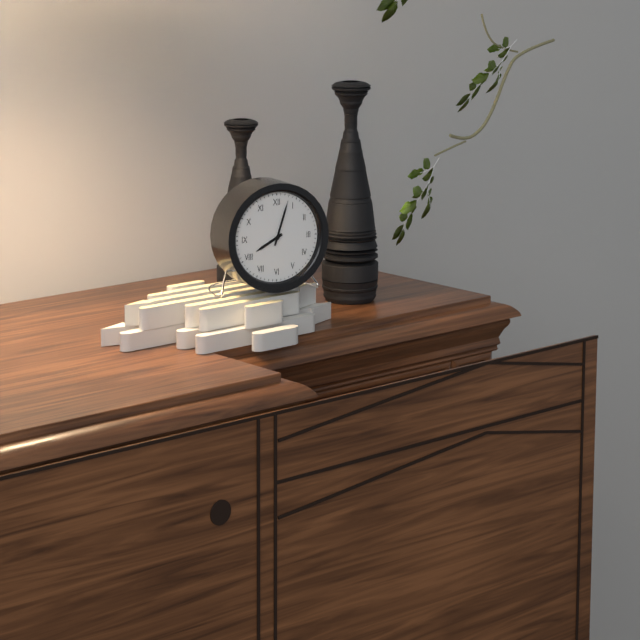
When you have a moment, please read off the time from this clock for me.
8:03
